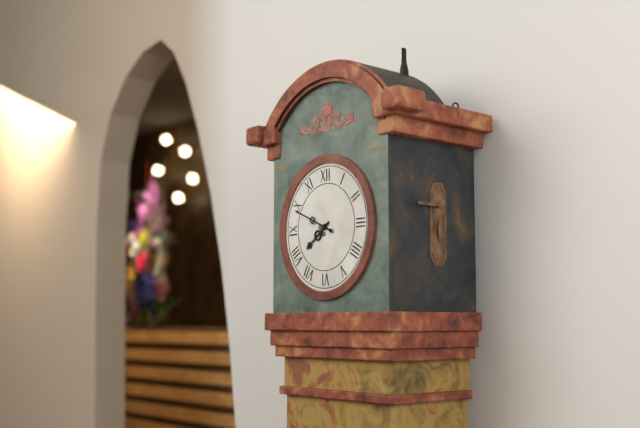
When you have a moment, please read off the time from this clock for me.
7:49
